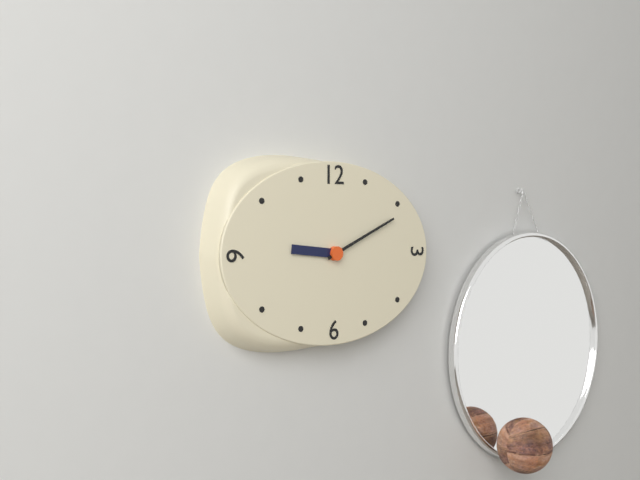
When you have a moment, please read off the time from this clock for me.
9:11
